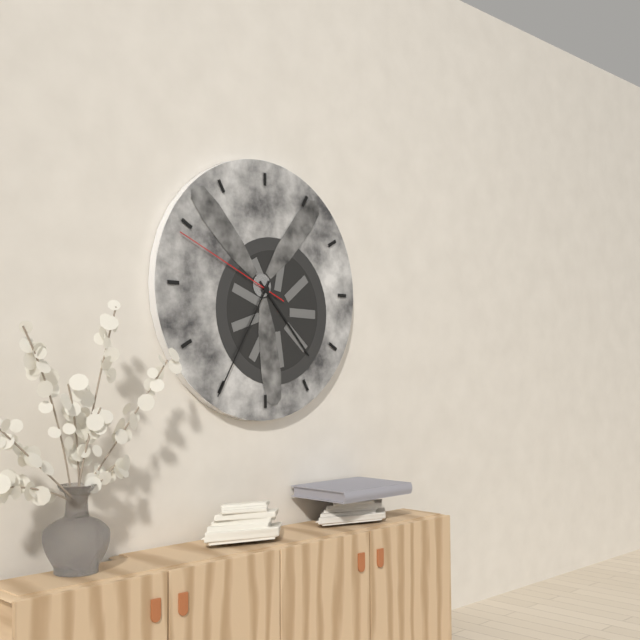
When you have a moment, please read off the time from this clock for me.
4:35:49
